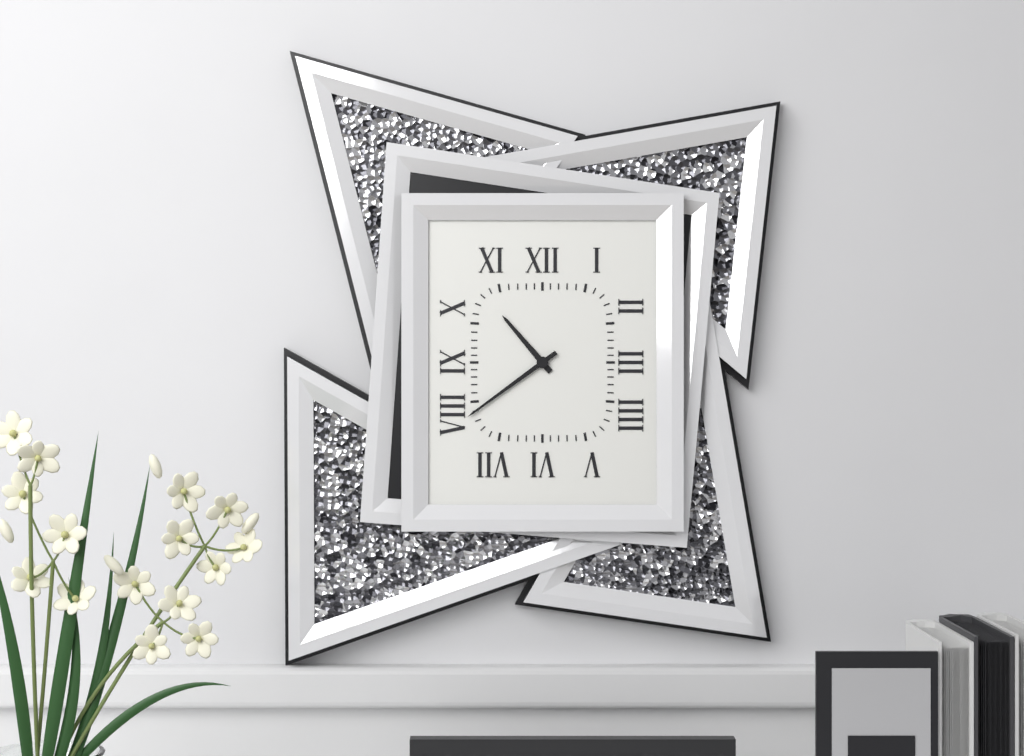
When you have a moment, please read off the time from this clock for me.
10:39
